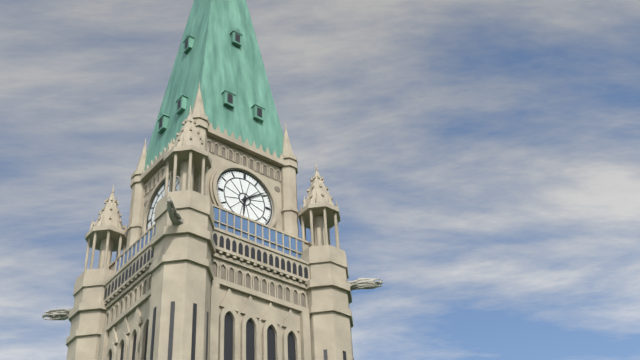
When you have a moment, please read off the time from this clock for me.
6:09
